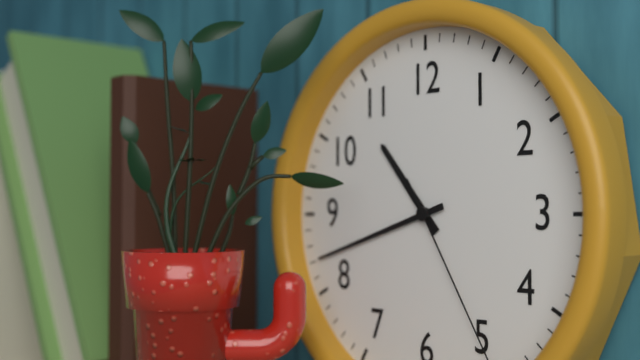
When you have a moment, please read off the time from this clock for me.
10:42
